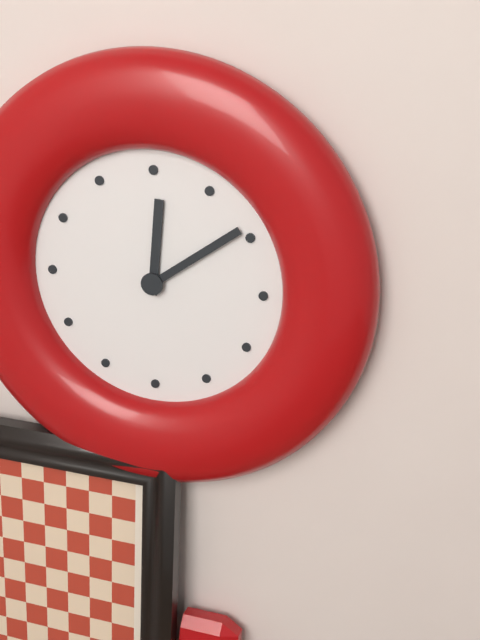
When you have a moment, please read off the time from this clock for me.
12:09
